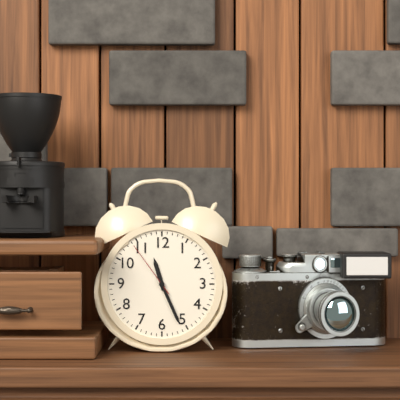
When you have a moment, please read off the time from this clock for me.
11:26:54
